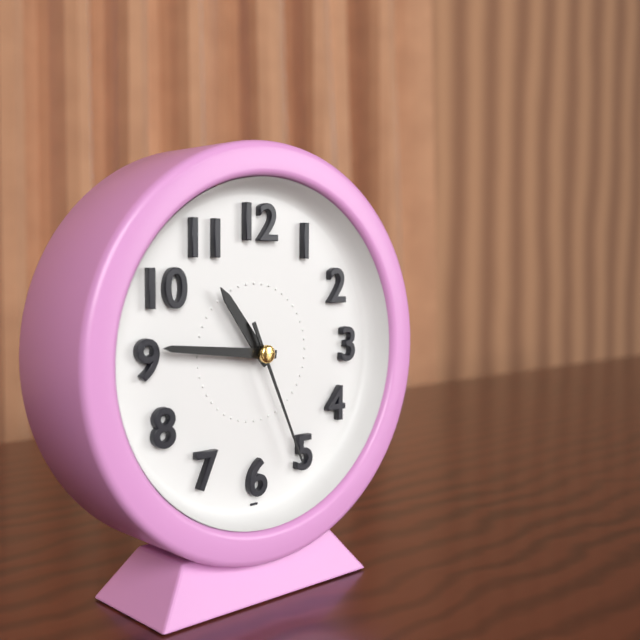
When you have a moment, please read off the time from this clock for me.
10:46:26
